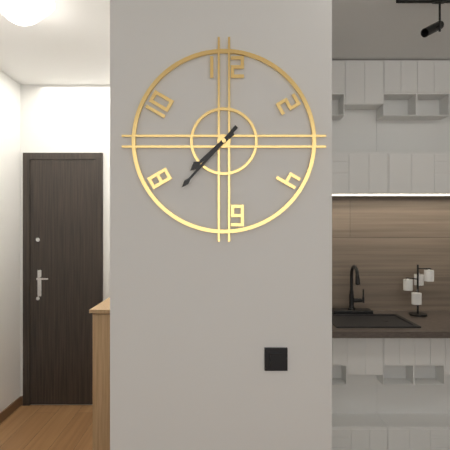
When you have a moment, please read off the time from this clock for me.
7:37
